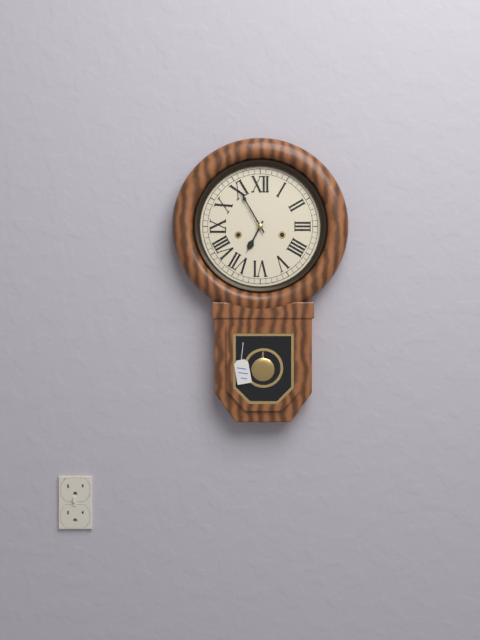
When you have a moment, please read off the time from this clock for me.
6:55
